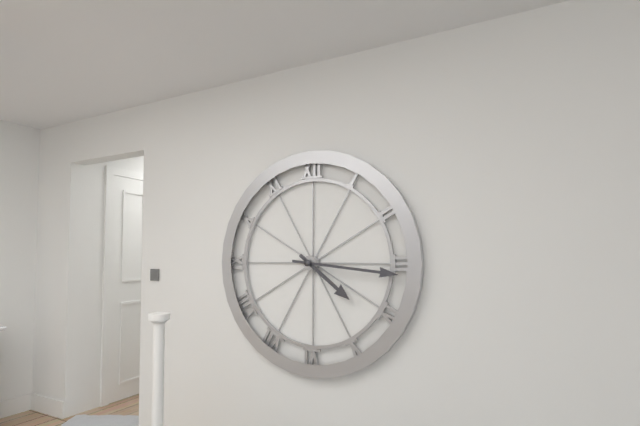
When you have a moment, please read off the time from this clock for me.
4:16
